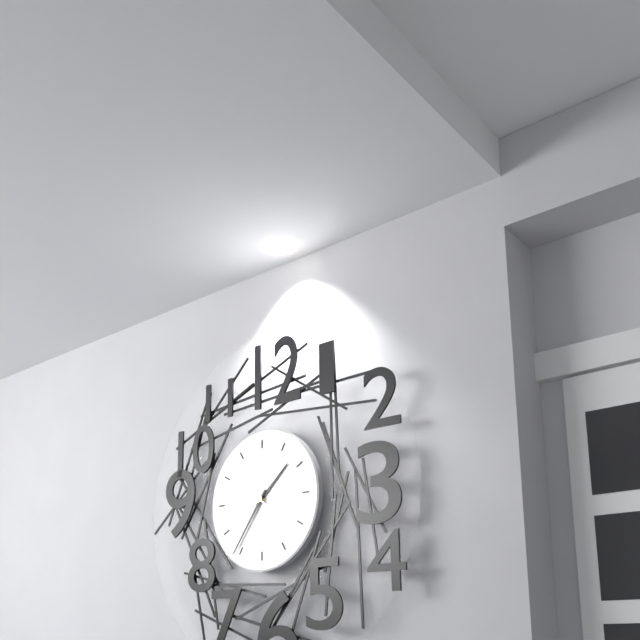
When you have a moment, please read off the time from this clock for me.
1:36:52
